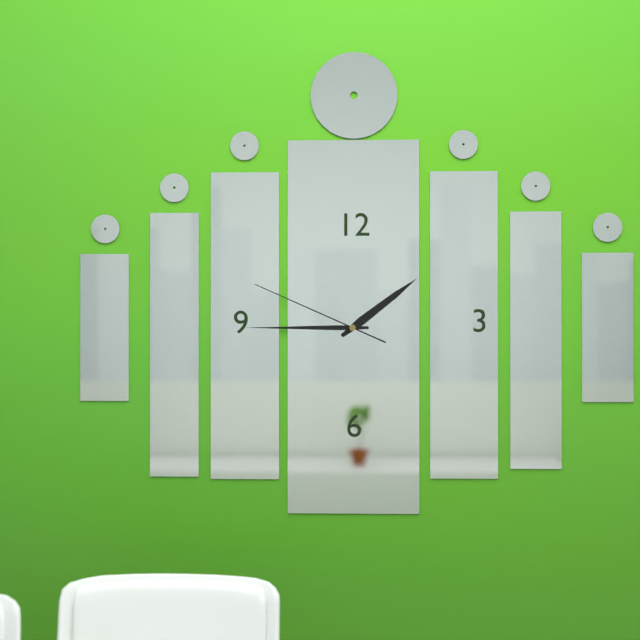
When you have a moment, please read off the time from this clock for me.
1:45:49
